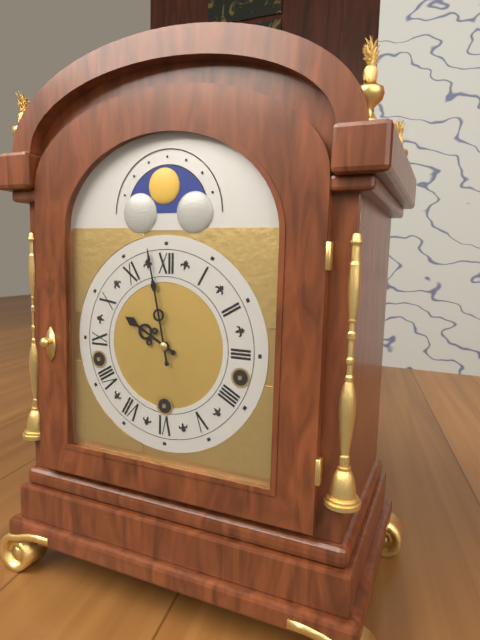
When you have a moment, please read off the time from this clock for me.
9:58
